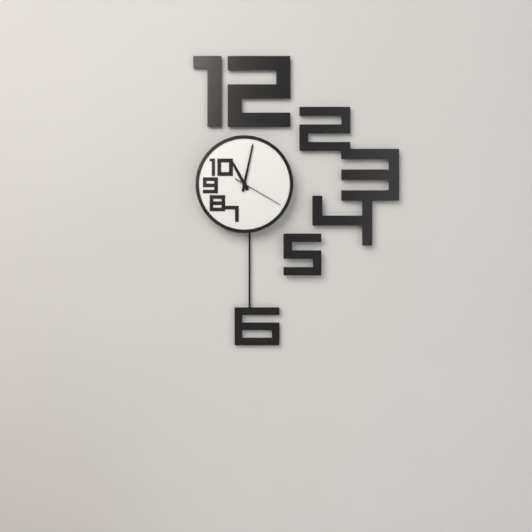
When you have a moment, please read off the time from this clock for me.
11:02:20
